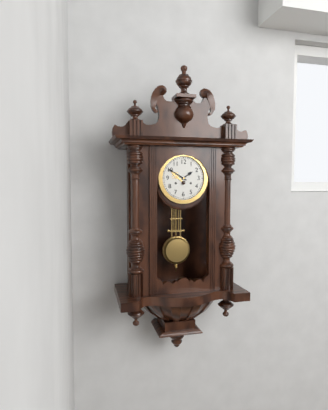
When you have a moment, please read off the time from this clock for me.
1:50
